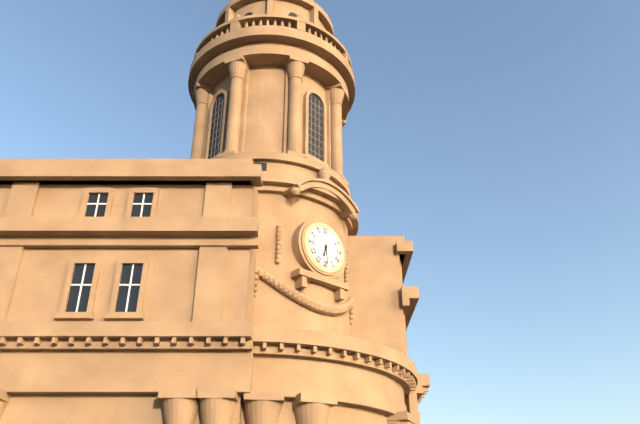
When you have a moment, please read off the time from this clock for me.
6:29
